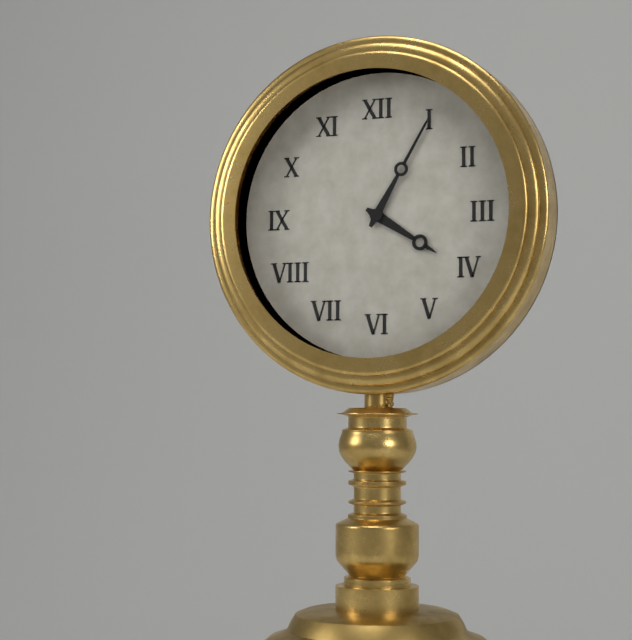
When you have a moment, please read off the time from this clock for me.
4:05
